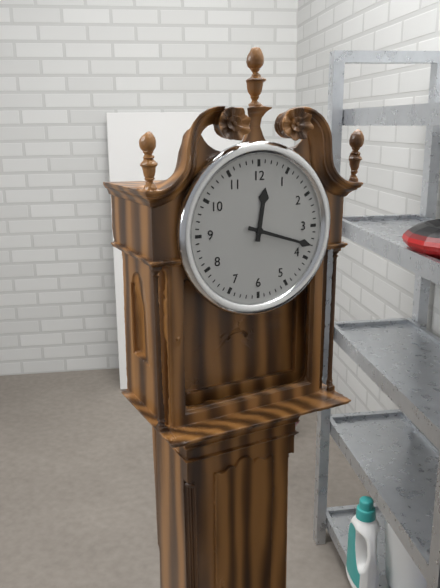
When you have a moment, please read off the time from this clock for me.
12:18
